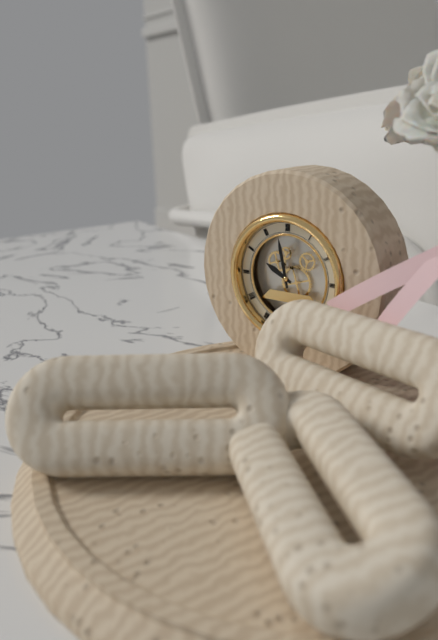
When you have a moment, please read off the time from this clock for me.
9:58
